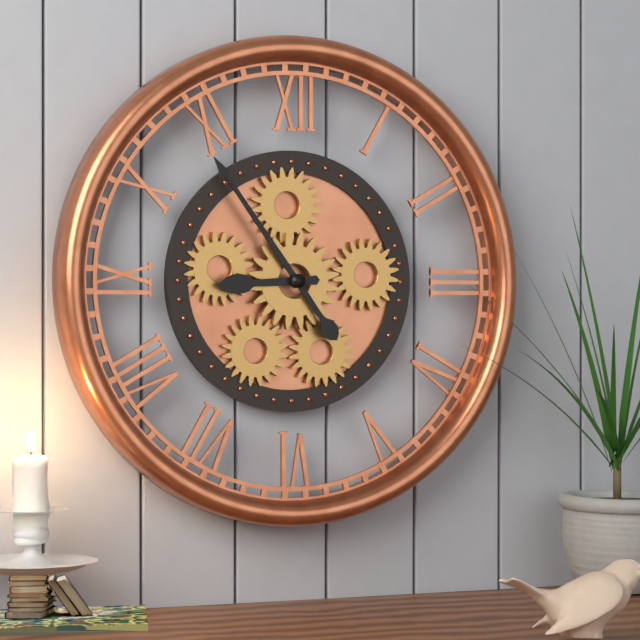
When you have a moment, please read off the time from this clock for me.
8:54
